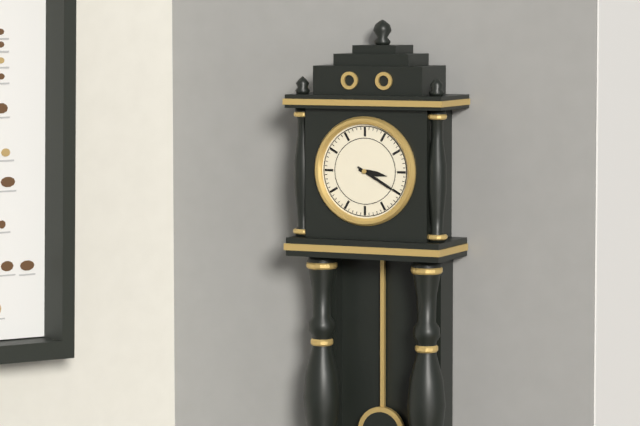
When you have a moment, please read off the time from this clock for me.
3:20
